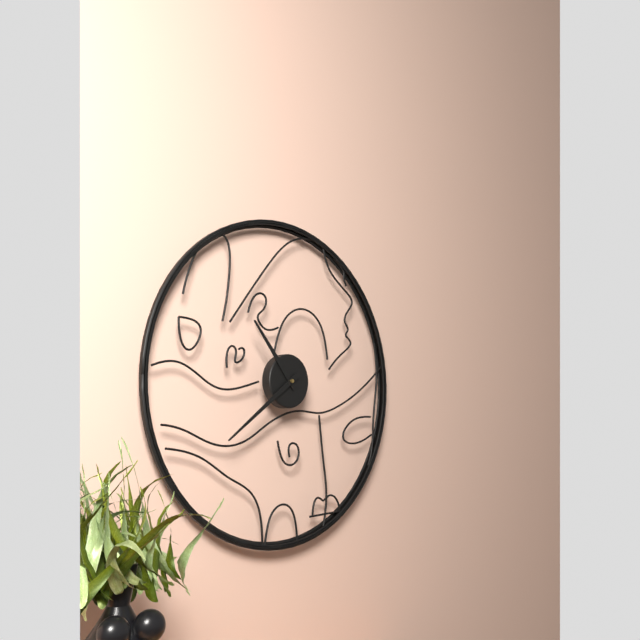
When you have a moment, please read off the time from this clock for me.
10:39
